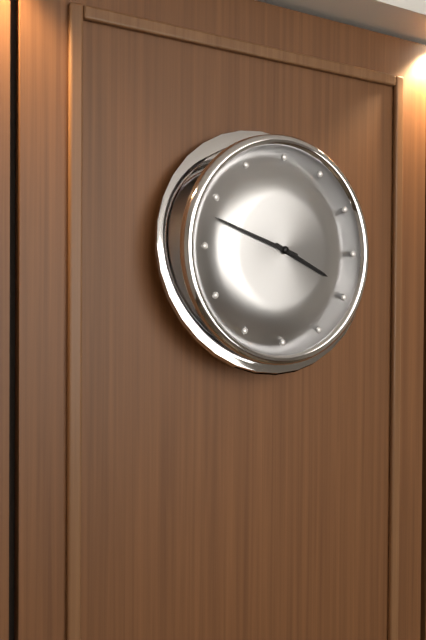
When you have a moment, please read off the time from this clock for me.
3:48
